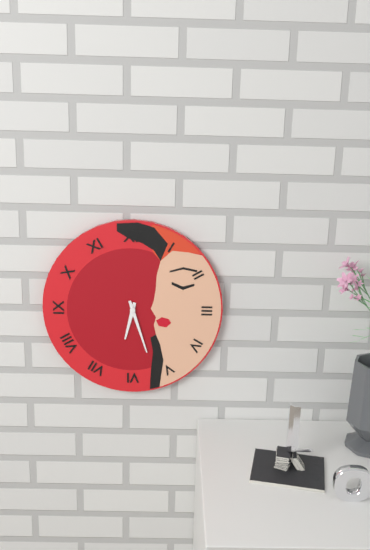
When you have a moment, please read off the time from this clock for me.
6:27
